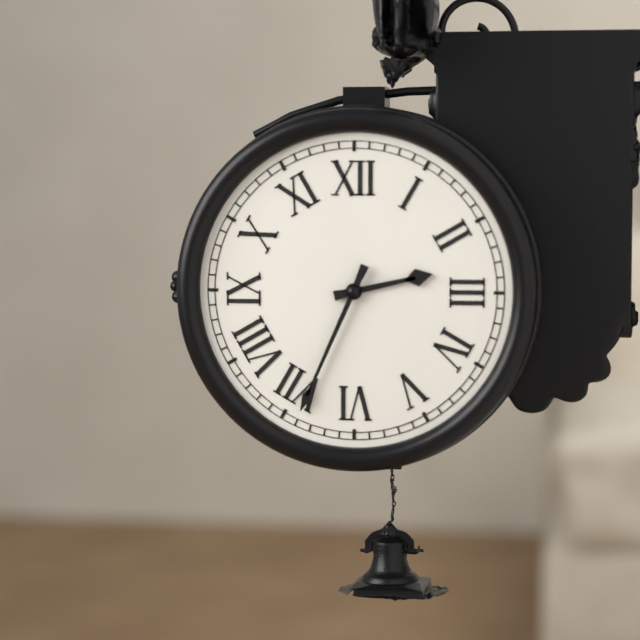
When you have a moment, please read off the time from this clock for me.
2:34
